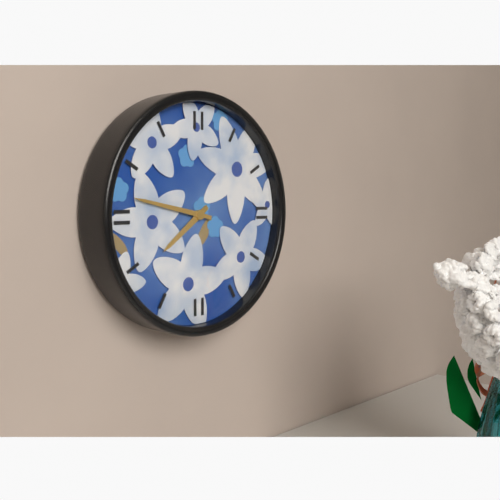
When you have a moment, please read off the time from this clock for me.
7:47
